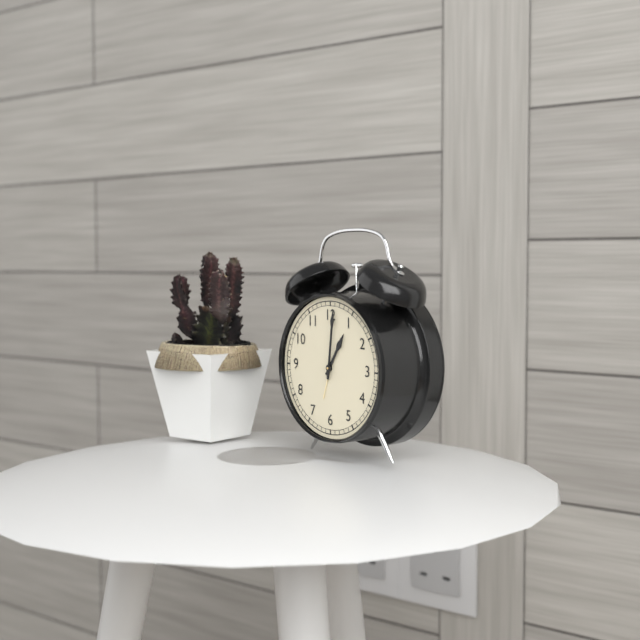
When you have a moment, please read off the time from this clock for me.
1:01
